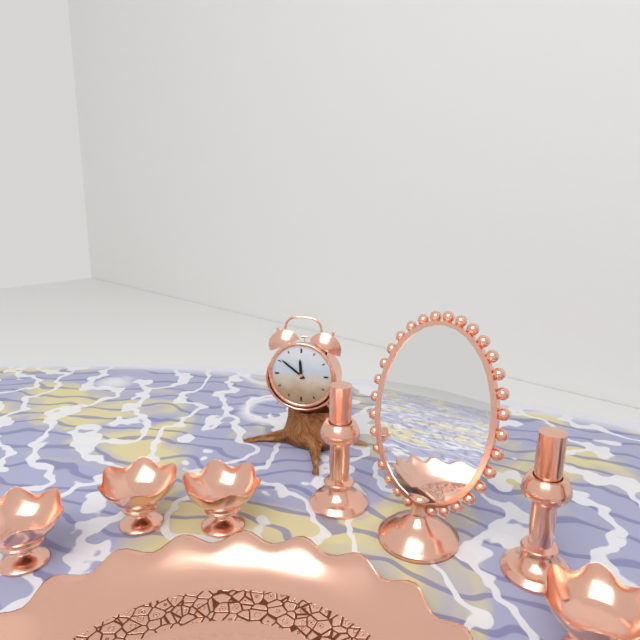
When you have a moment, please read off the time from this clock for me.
11:51
